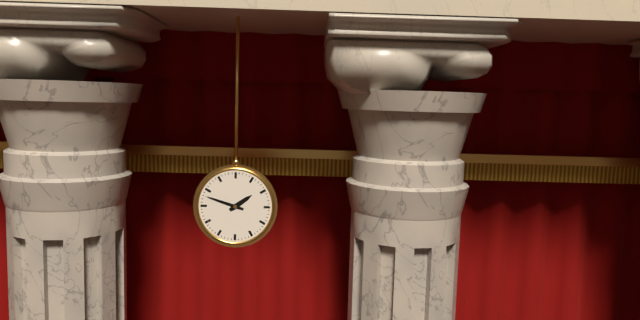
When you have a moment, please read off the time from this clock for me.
1:48
